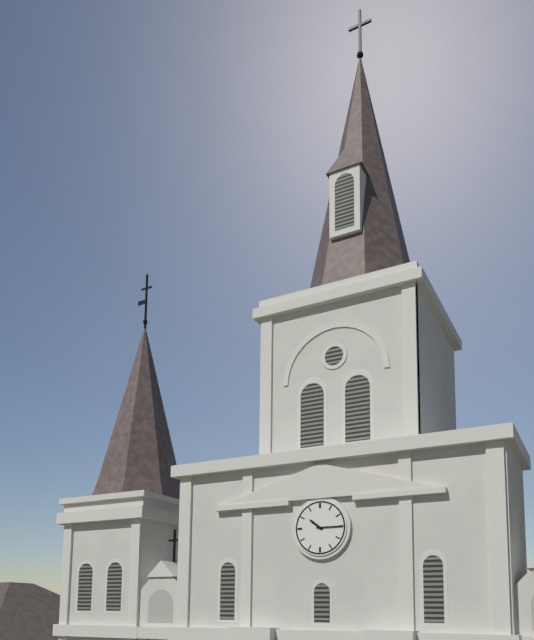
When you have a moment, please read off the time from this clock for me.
10:15
